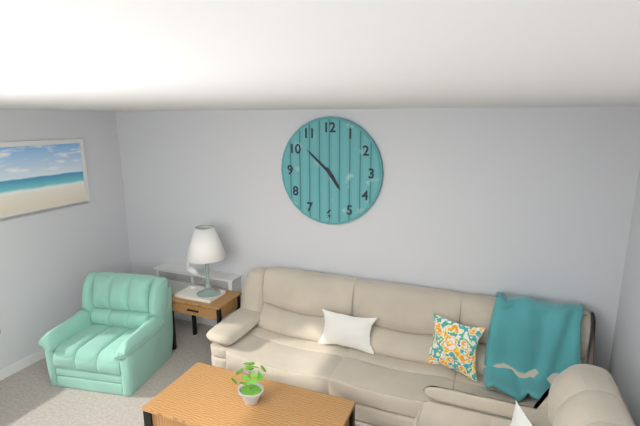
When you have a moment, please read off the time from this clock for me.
4:52
